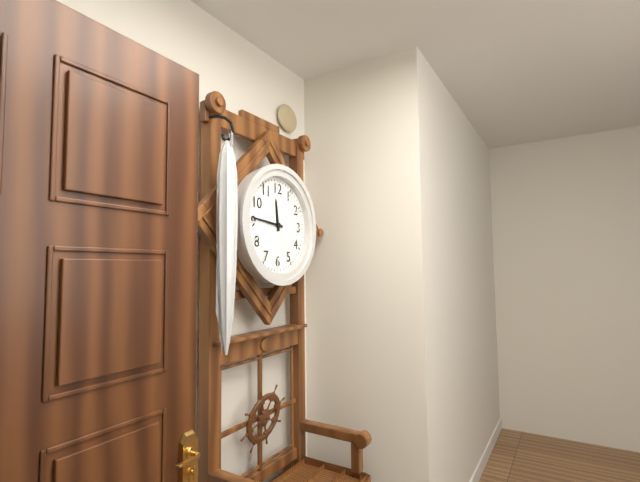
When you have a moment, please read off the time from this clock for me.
11:46
